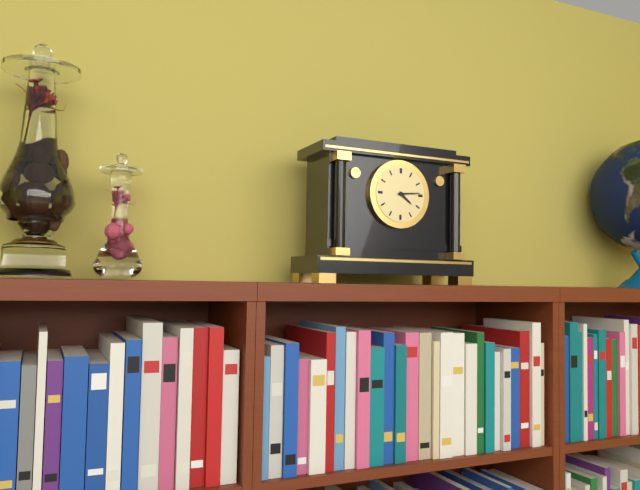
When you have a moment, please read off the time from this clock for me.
4:14
